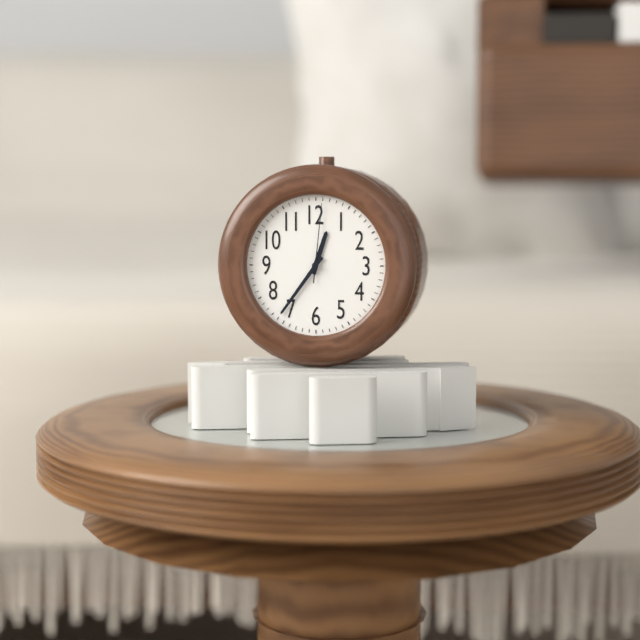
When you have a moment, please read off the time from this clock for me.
12:36:01
